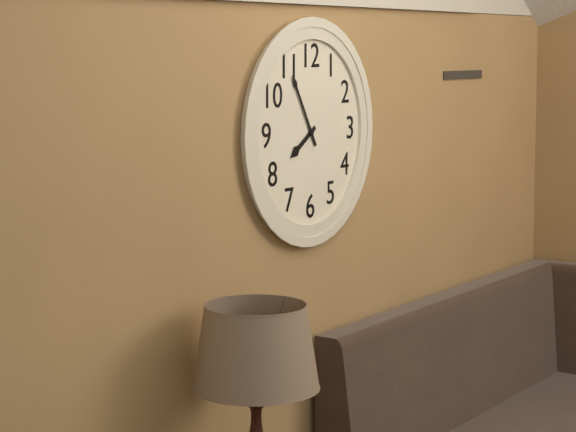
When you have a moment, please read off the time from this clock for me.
7:55
